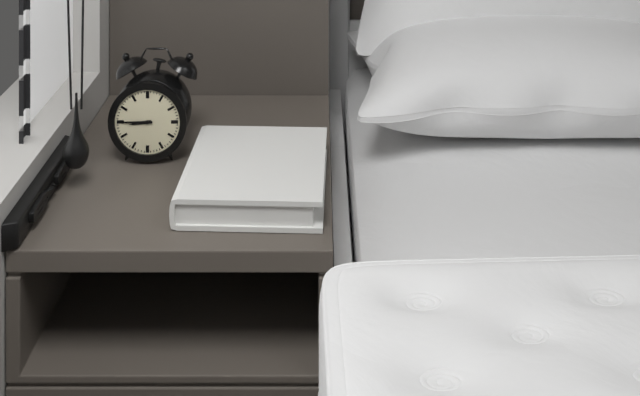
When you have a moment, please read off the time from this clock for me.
8:45
